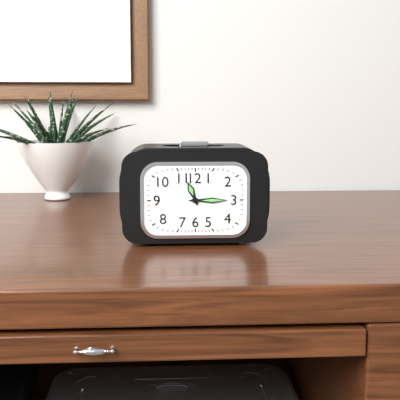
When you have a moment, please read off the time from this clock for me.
11:15
